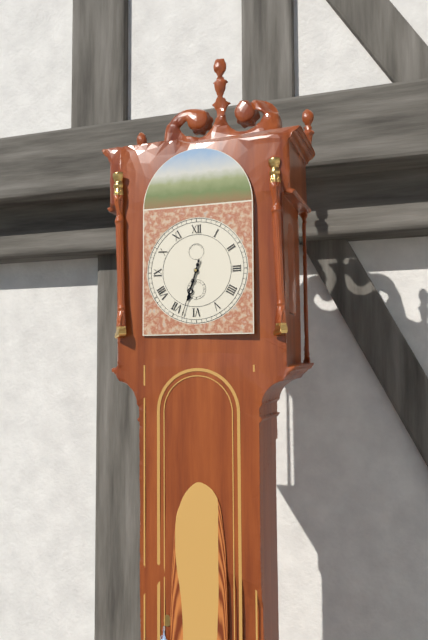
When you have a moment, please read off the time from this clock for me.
6:33
